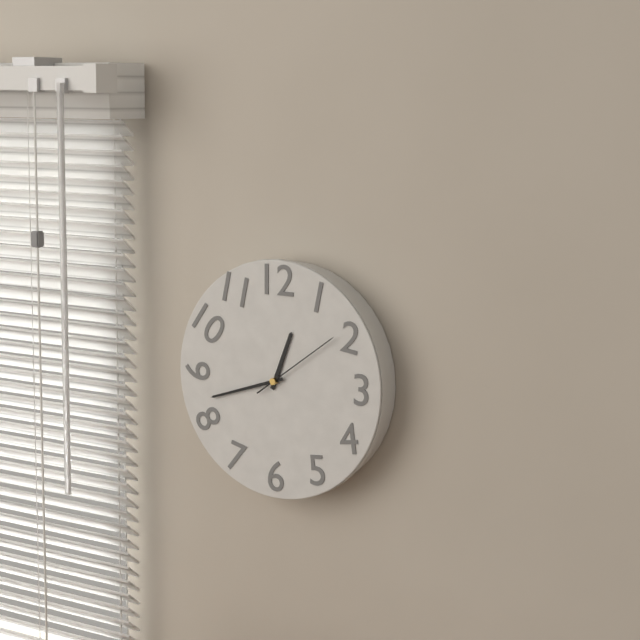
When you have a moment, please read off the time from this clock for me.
12:42:09
